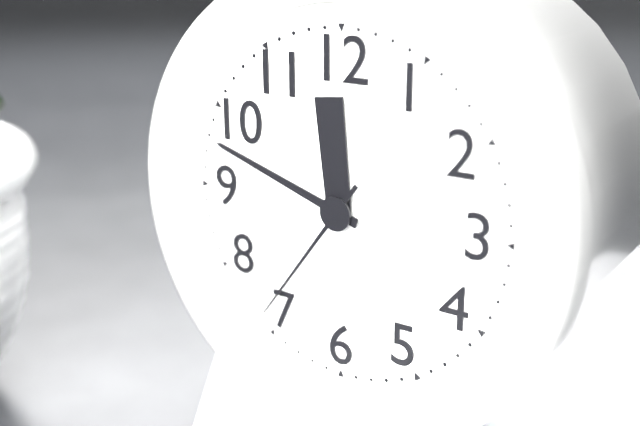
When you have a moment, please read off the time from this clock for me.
11:48:36
